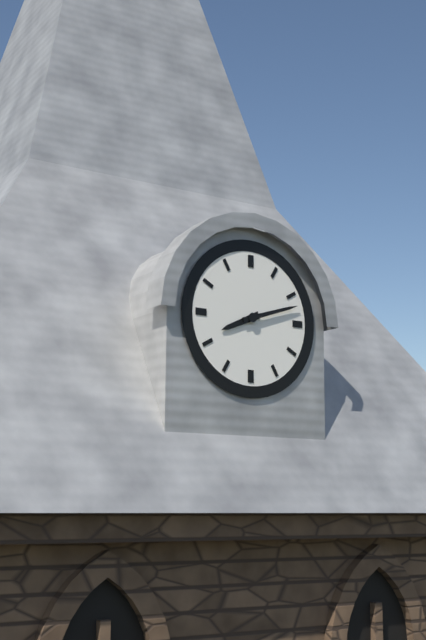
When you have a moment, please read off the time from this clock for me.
8:12
